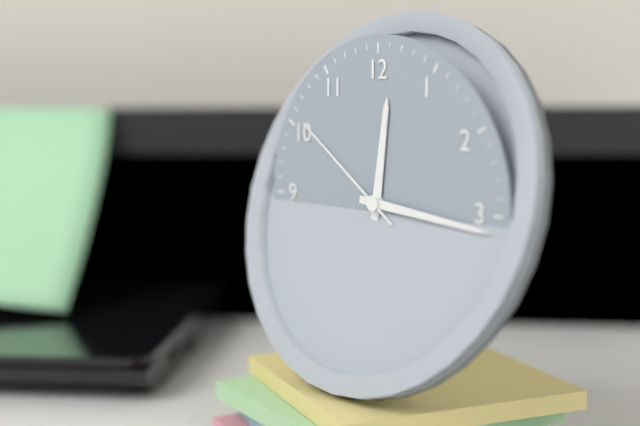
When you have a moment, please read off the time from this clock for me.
12:16:51
